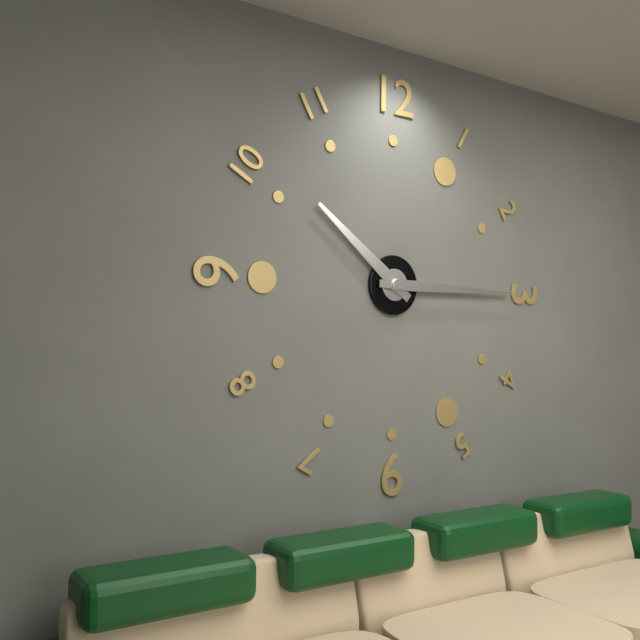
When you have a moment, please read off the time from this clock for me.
10:15
